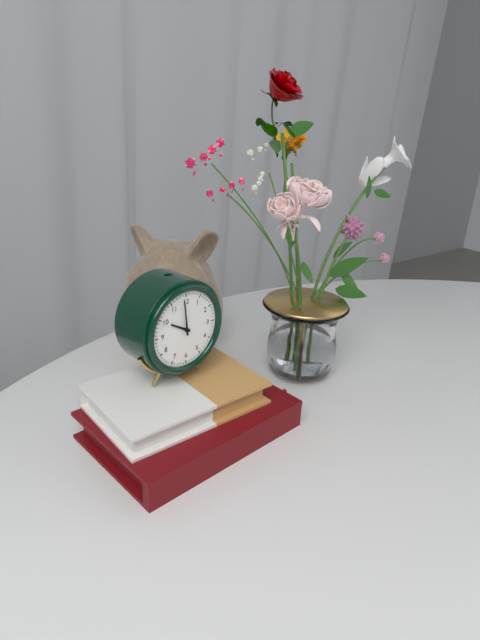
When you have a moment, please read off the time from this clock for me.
9:59
